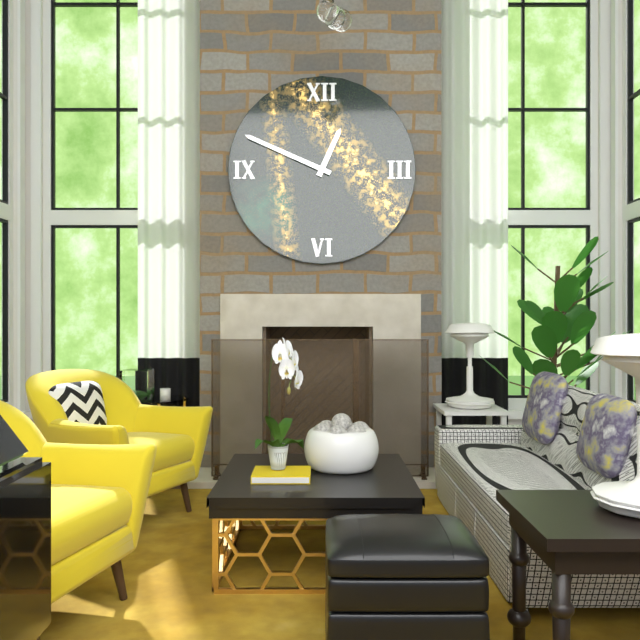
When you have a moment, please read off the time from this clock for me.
12:49
